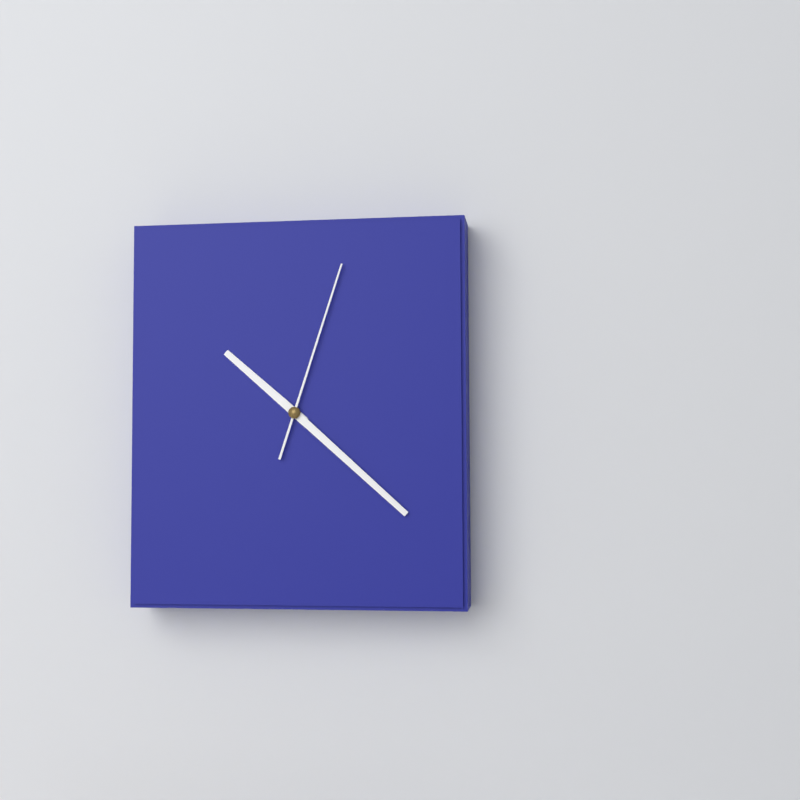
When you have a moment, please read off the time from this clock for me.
10:22:03
